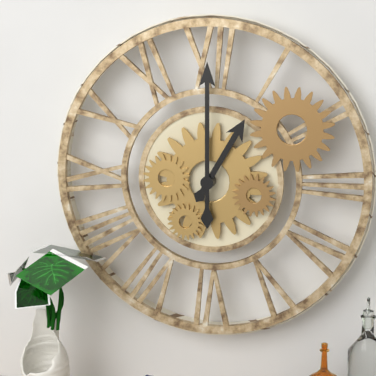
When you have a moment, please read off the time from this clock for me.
1:00
